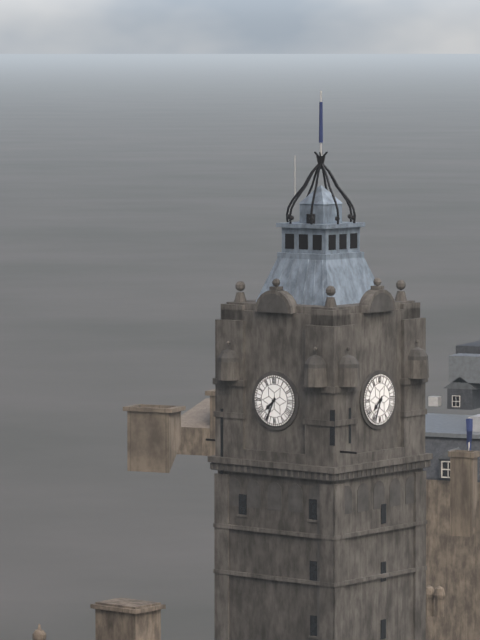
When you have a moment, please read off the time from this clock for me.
7:34
